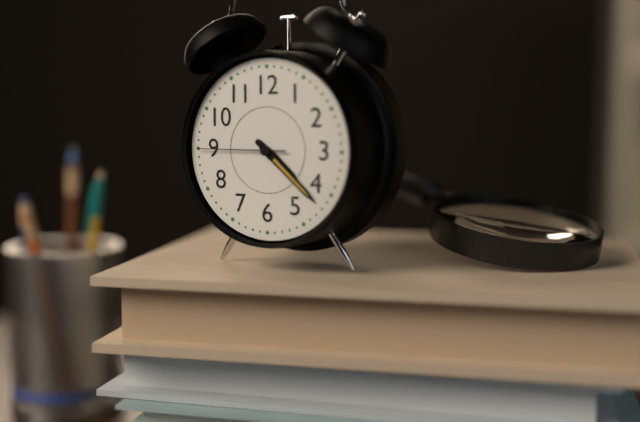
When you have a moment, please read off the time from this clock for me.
4:22:45
